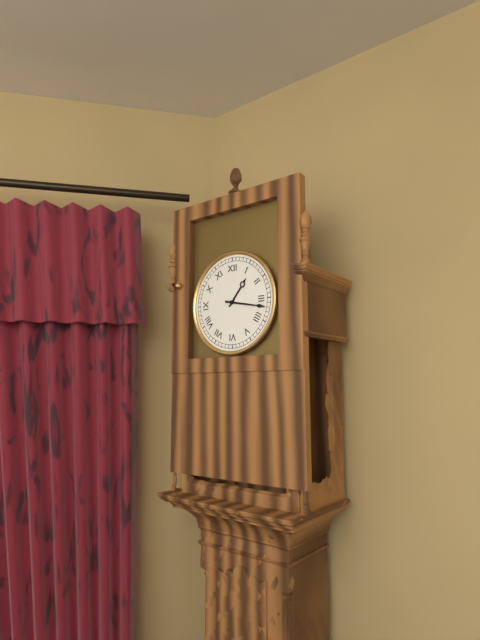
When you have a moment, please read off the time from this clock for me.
1:17
